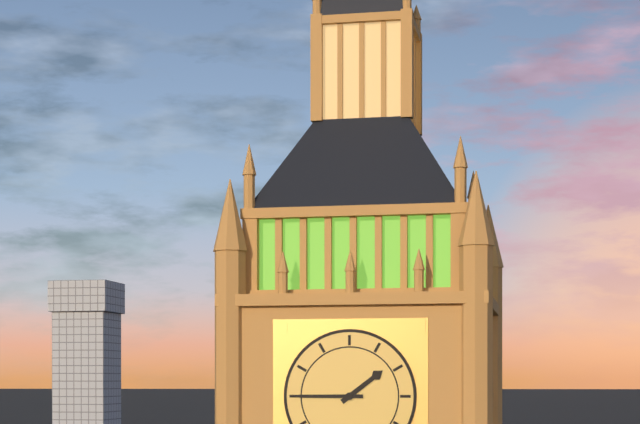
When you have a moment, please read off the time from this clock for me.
1:45
